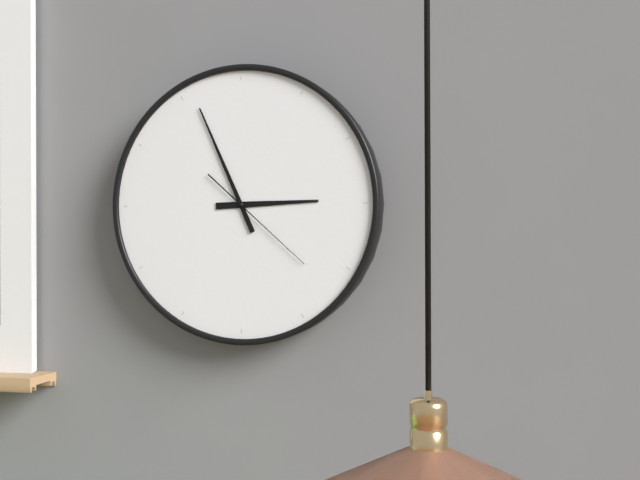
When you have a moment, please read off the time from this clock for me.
2:56:22
